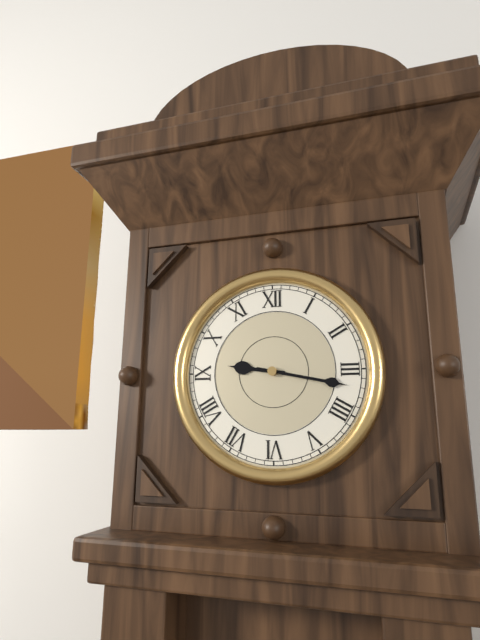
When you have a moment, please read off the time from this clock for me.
9:17
